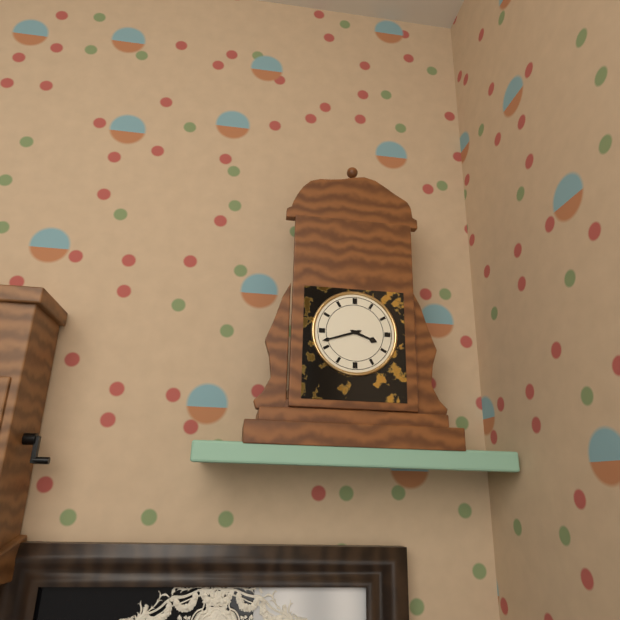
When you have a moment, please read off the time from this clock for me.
3:42
